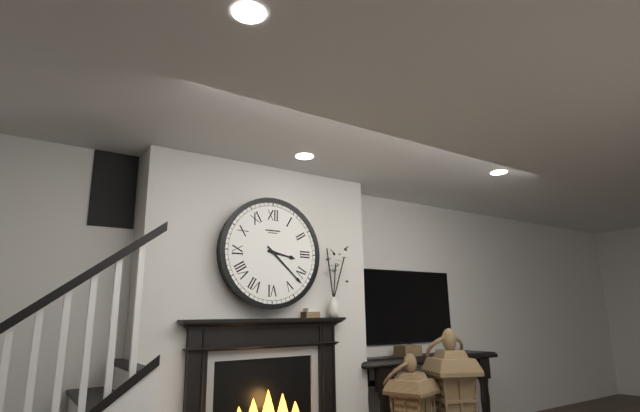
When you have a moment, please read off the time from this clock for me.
3:22
